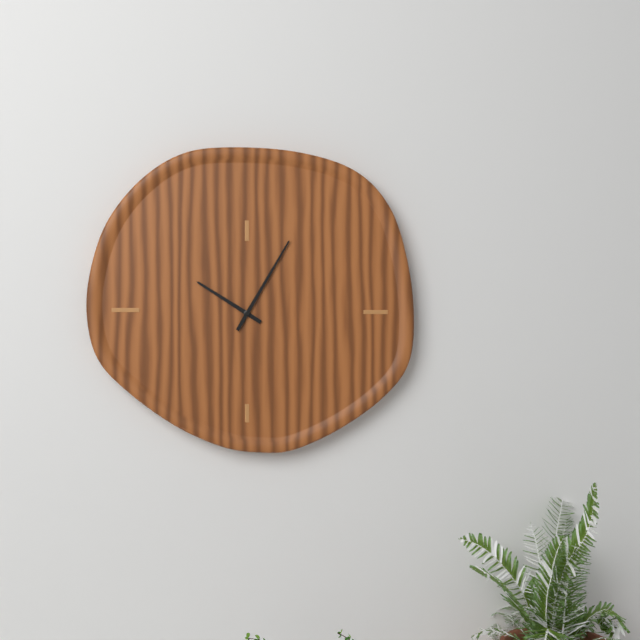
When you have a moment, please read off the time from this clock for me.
10:05
